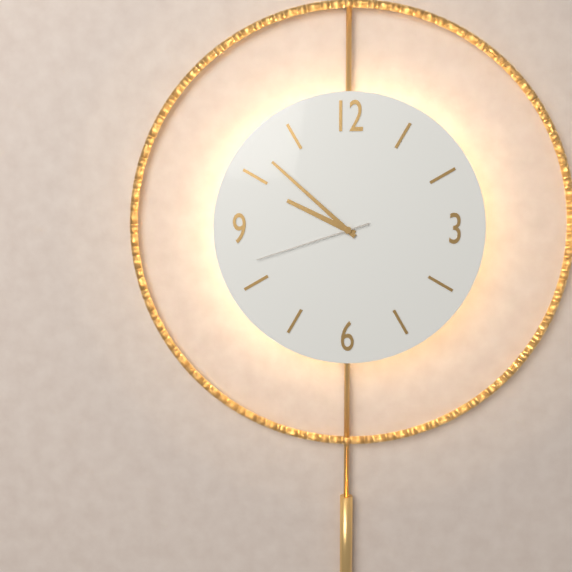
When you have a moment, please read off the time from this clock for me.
9:52:42
